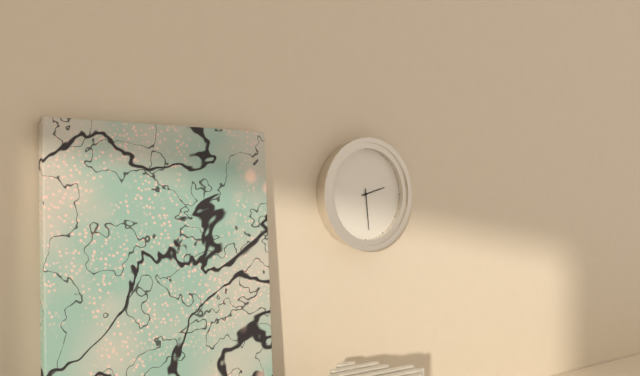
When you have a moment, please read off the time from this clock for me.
2:29
